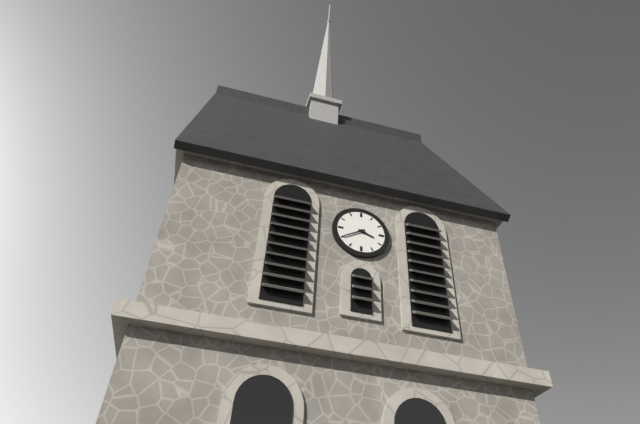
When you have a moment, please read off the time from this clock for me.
3:40
